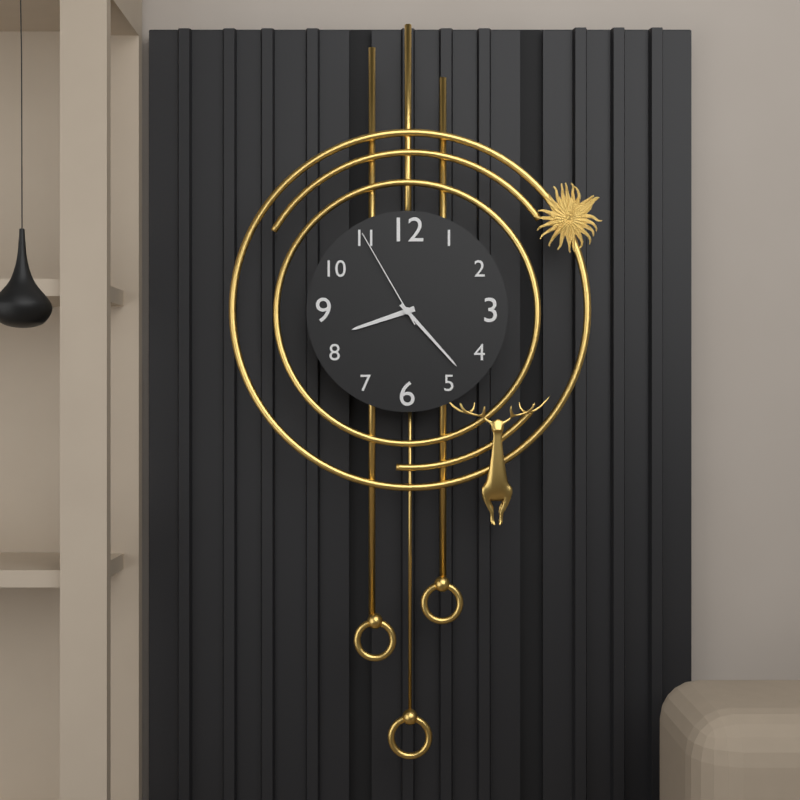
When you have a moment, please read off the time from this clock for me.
8:23:55
